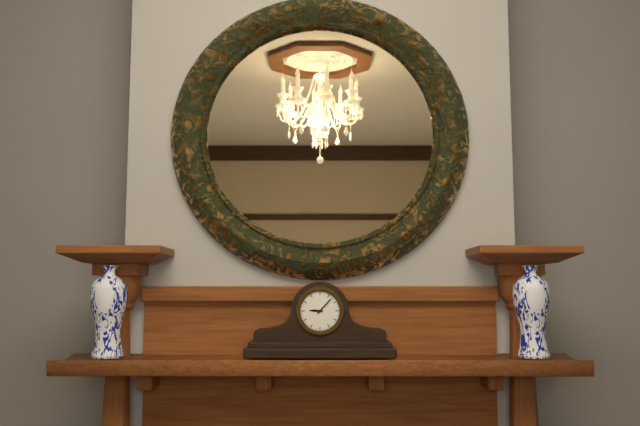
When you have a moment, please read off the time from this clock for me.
9:07
